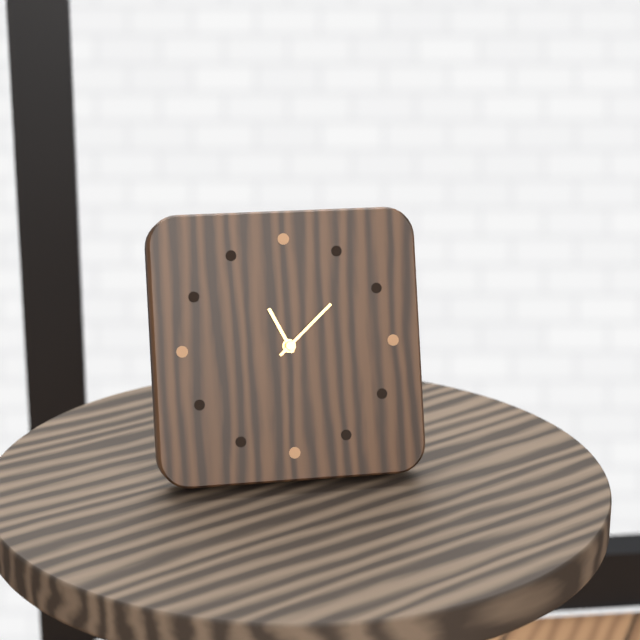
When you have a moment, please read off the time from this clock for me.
11:08
